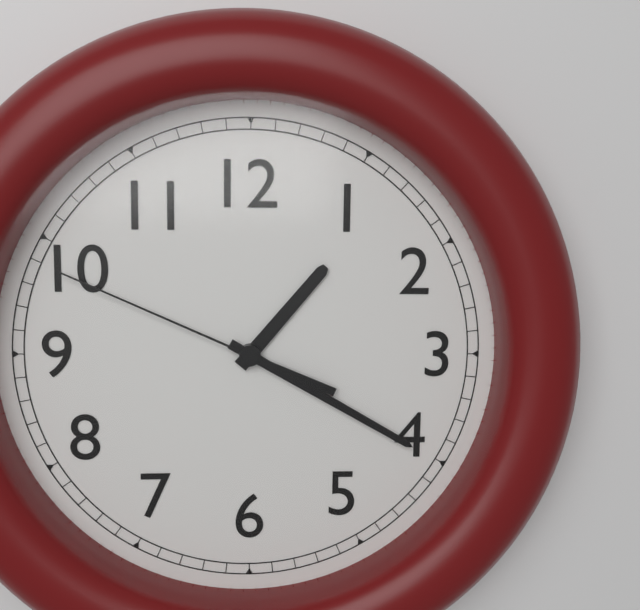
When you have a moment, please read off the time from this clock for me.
1:20:49
